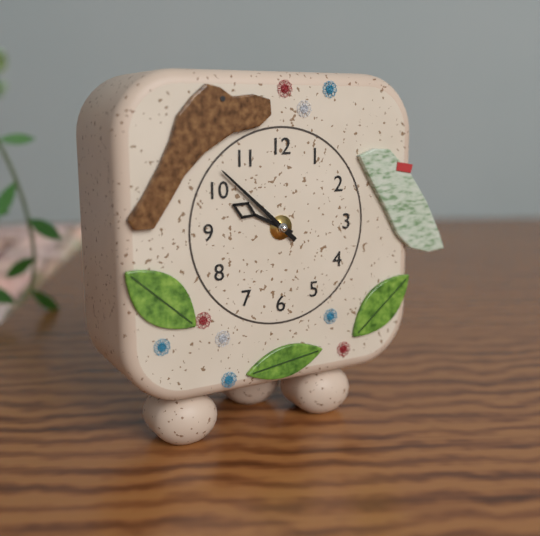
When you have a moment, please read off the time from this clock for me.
9:52
